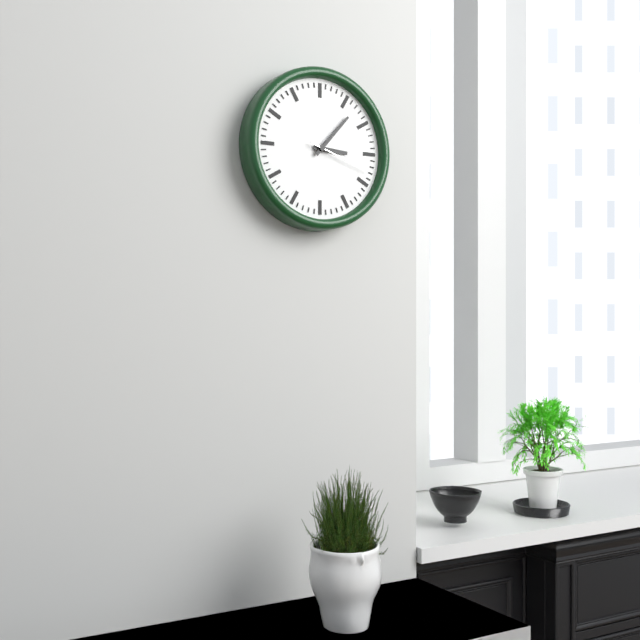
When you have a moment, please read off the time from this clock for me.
3:07:18
